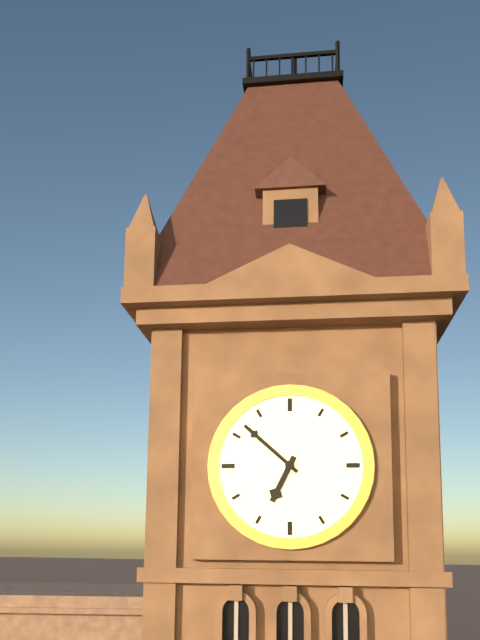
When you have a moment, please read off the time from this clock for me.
6:52
